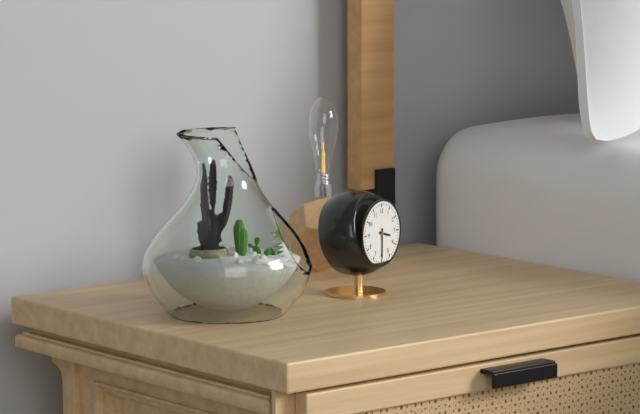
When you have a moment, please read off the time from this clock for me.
3:30
